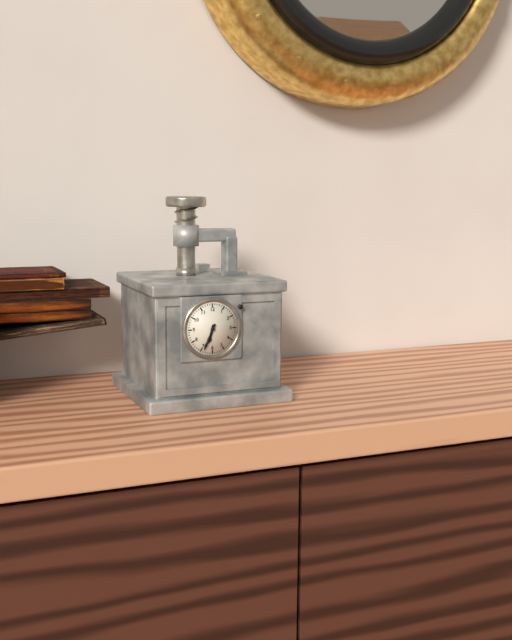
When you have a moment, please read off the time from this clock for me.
6:34
